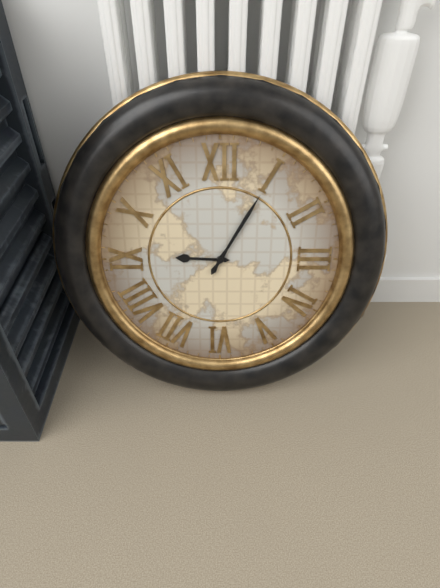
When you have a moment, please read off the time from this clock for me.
9:05
